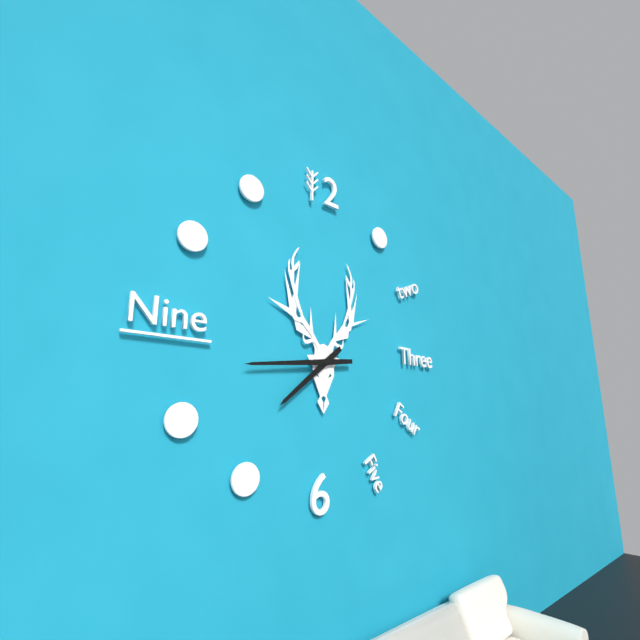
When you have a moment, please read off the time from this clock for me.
7:44
